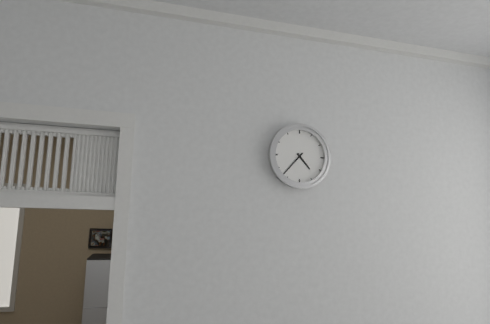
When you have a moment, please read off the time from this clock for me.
4:37
